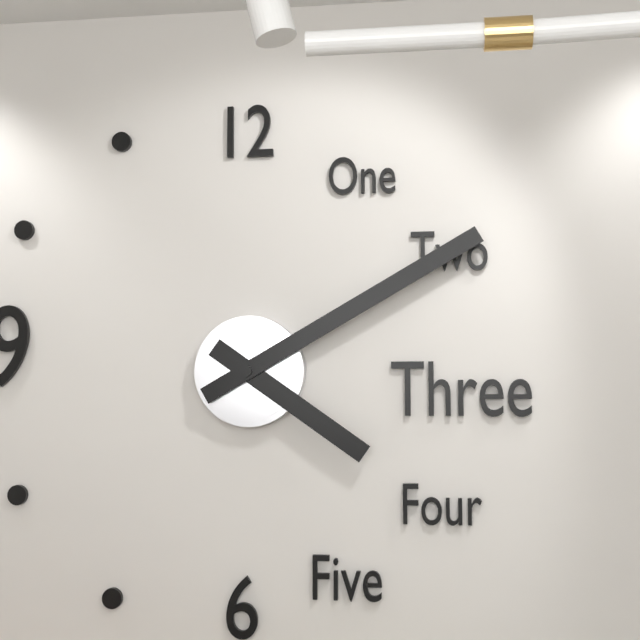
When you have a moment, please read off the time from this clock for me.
4:10
